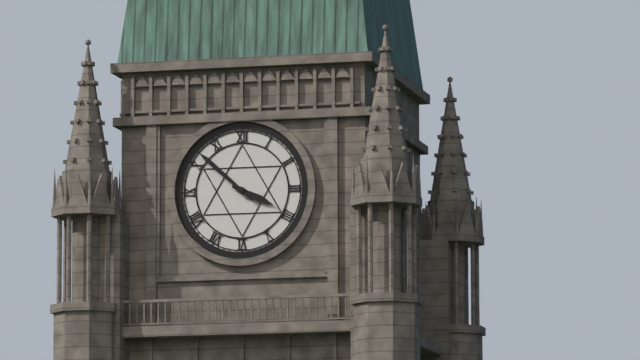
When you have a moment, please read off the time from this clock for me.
3:52
